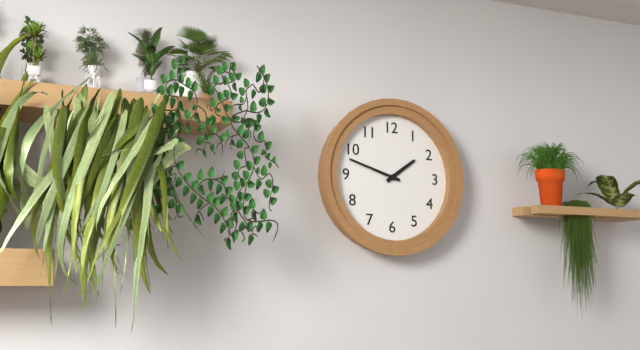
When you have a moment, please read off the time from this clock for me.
1:48
